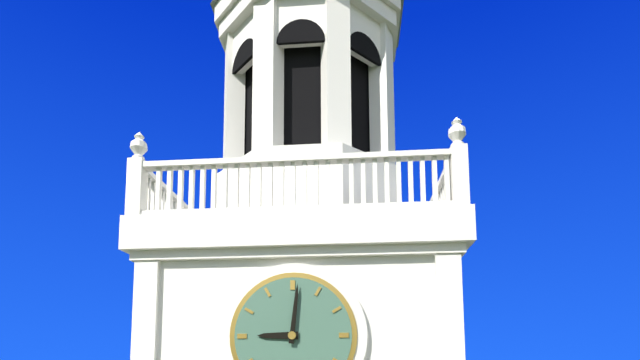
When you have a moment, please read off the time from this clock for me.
9:01
